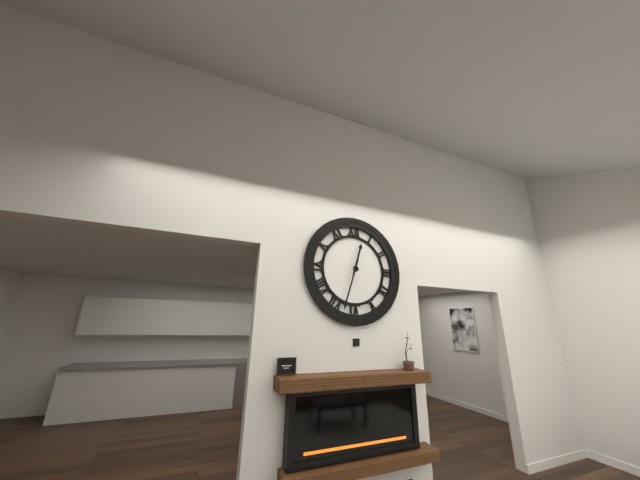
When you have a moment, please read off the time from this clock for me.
12:33
